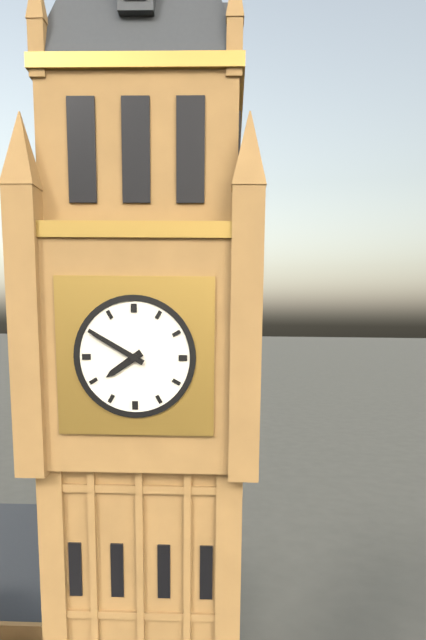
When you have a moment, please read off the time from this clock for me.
7:50
